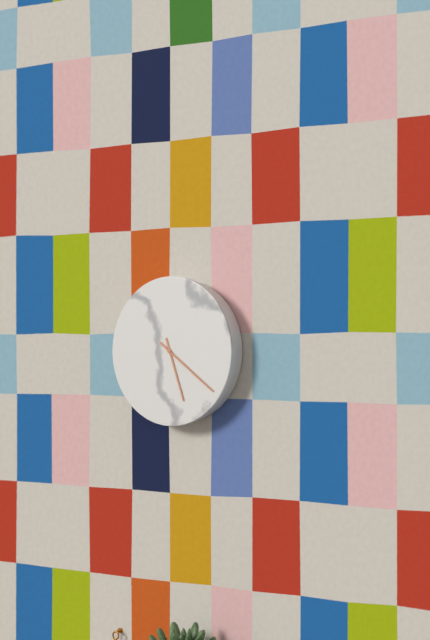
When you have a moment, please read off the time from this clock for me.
5:21
